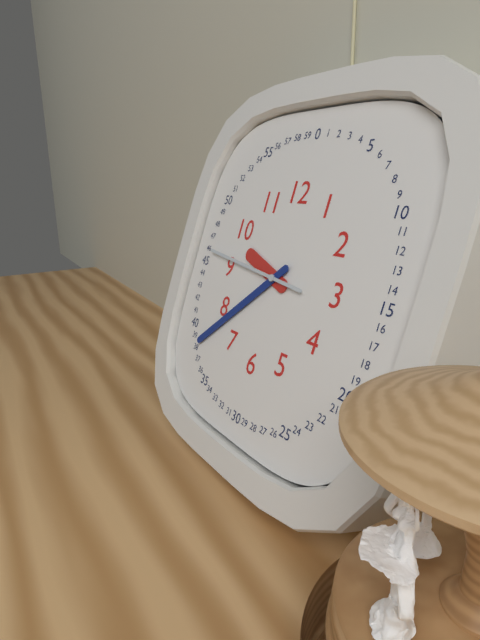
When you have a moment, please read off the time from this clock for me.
9:38:46
